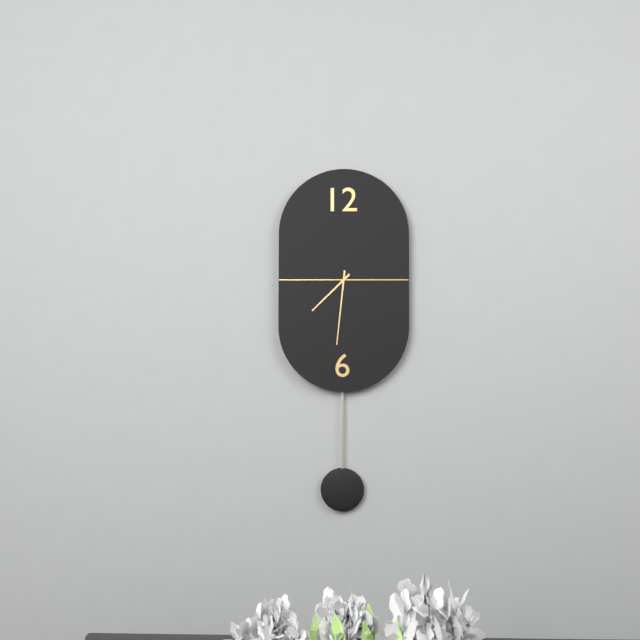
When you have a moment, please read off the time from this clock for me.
7:31
